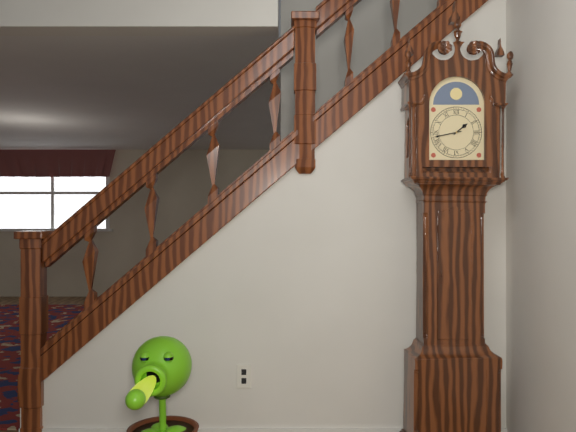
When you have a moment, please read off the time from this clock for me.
1:43
